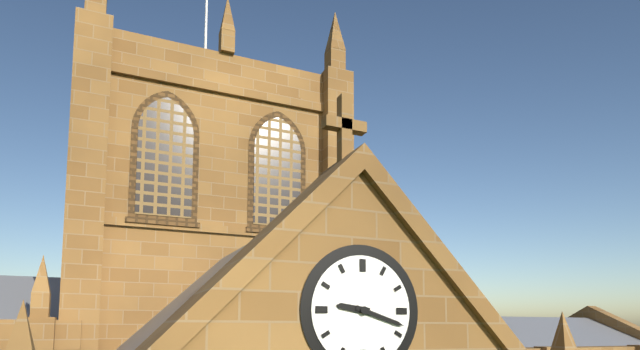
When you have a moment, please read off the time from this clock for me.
9:18
